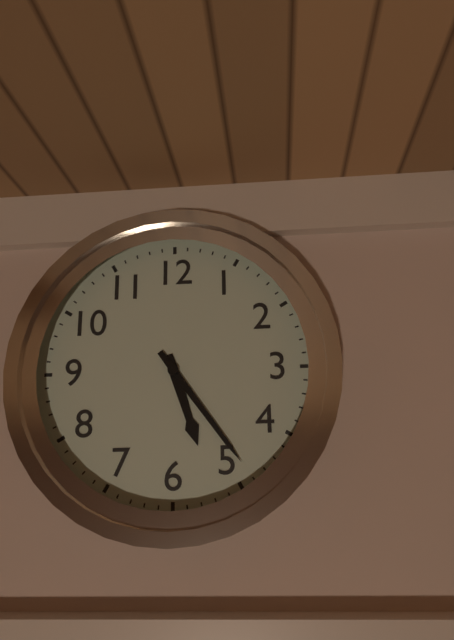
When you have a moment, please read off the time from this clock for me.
5:24
